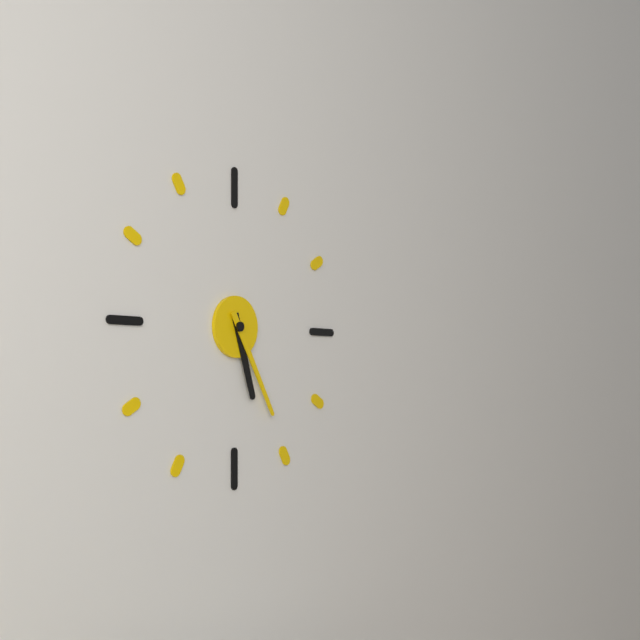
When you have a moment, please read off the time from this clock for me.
5:25
